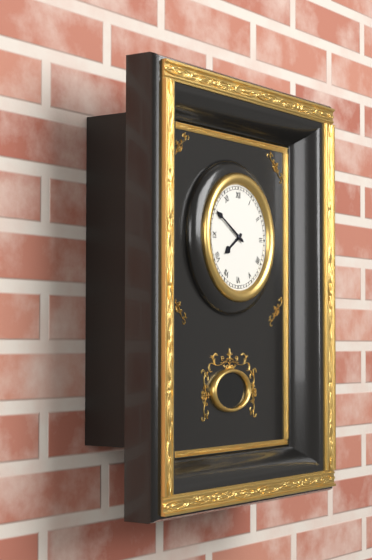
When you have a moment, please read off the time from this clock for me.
7:50
